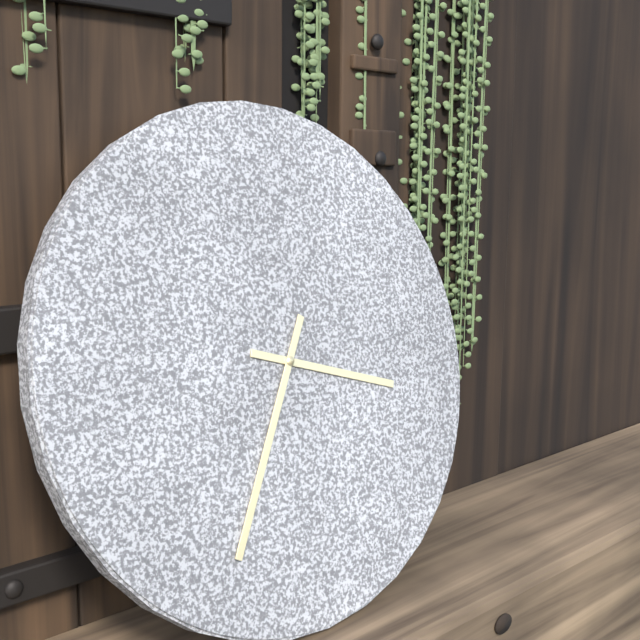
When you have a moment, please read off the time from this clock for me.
3:35
